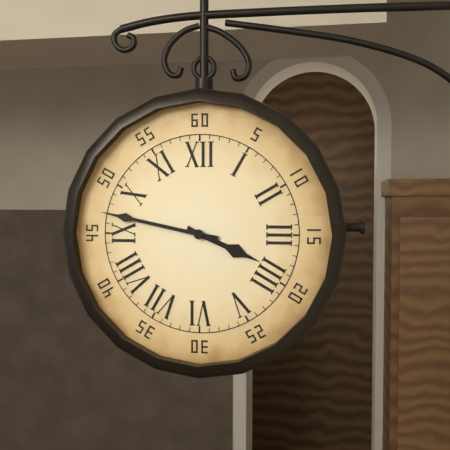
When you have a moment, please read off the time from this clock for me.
3:47
